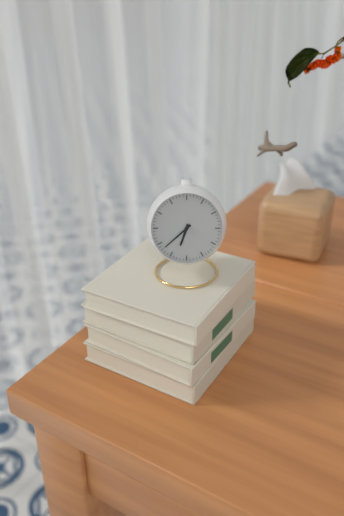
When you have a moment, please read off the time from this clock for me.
6:38
